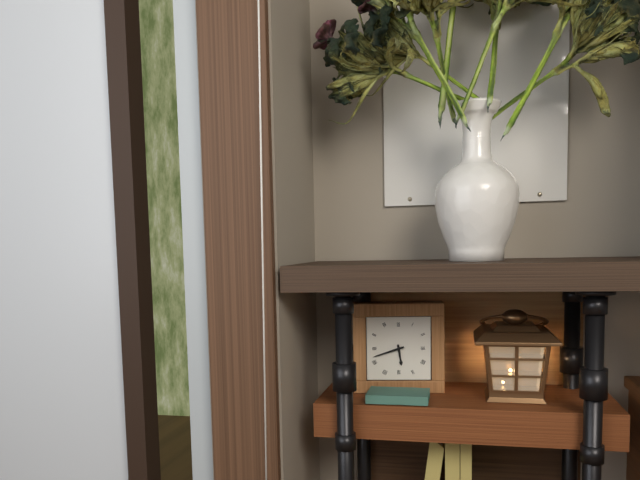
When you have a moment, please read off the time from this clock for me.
5:42
